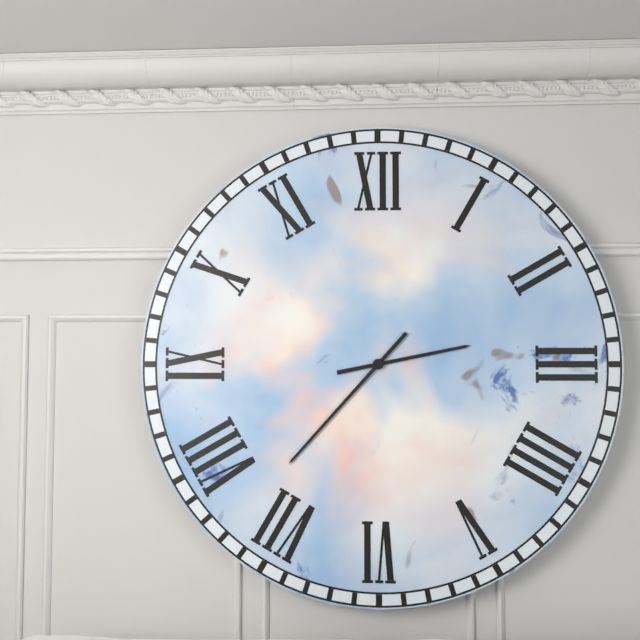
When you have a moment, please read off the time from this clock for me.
2:37
